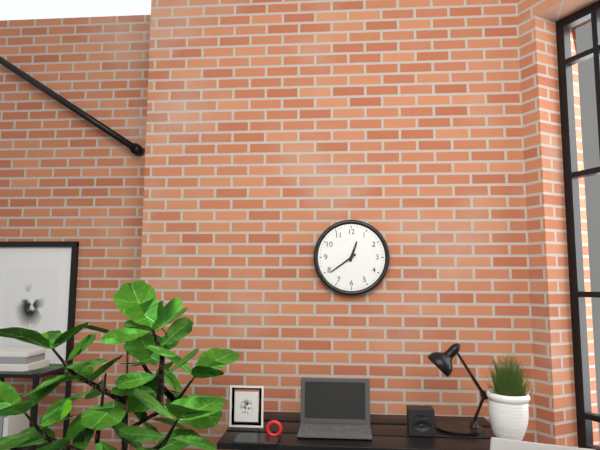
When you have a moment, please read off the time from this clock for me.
12:39
